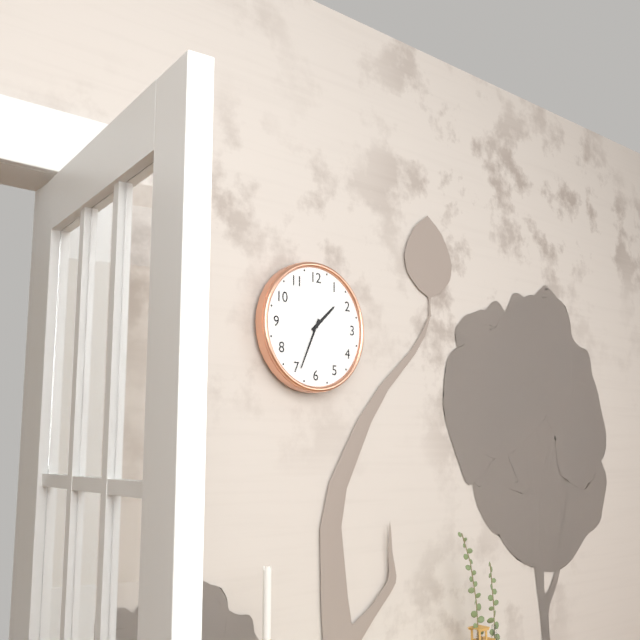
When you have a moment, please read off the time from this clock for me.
1:34
